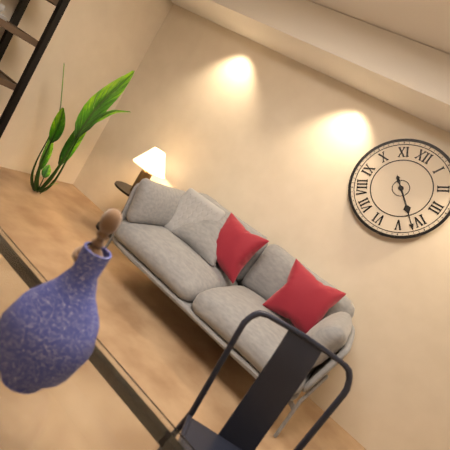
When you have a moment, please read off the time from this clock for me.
4:22
